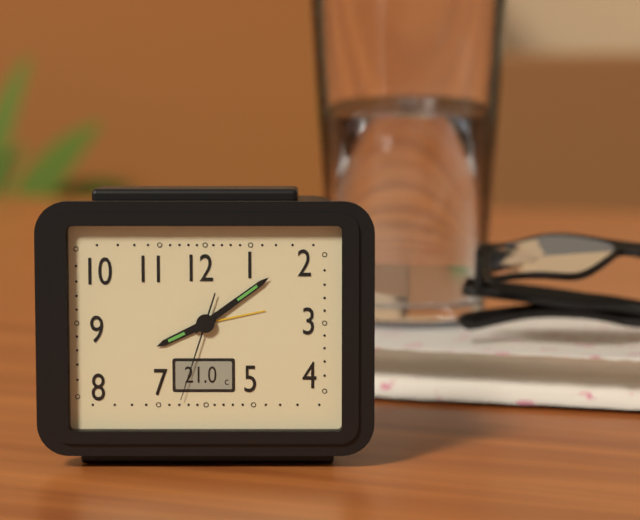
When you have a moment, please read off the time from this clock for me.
8:09:33
